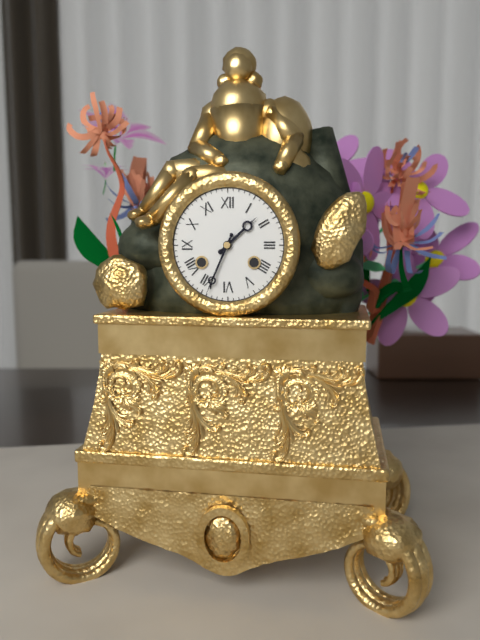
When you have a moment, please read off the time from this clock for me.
1:34
